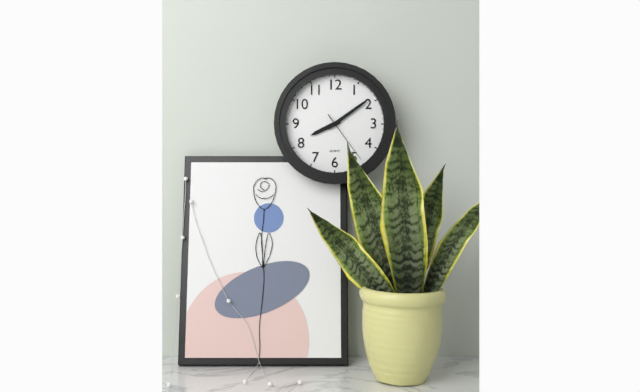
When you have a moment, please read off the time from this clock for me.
8:09:24
